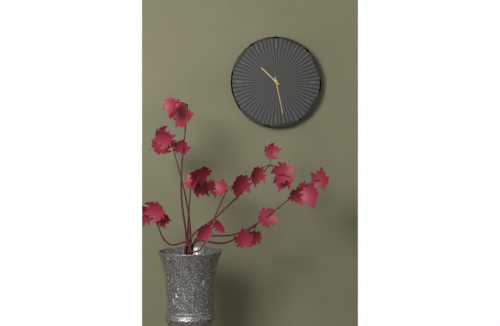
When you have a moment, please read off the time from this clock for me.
10:28
